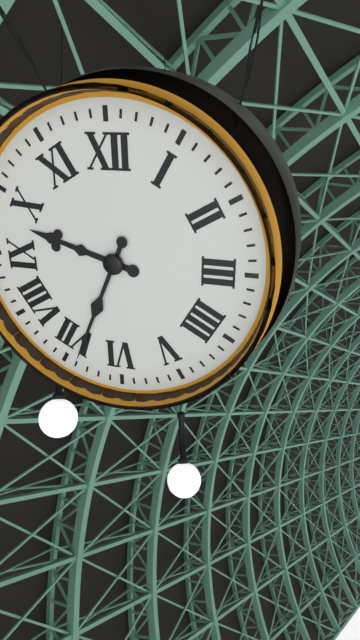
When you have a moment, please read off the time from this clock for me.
9:34
